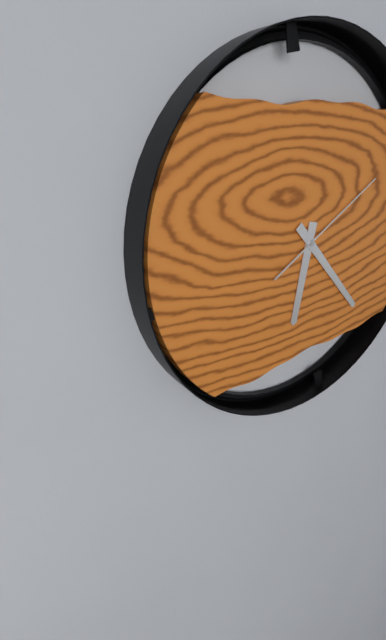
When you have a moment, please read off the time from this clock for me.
6:23:10
